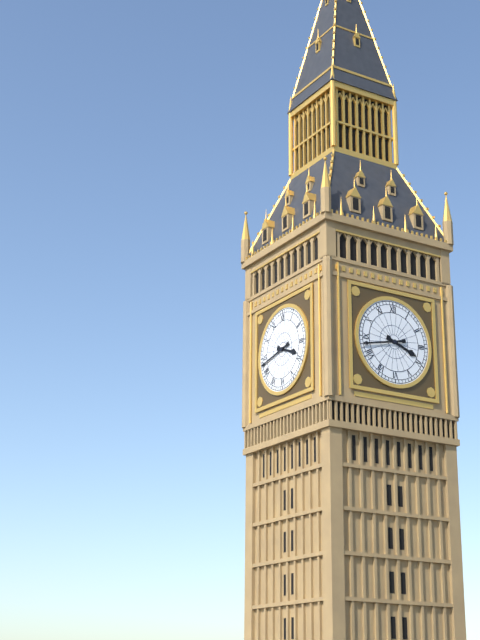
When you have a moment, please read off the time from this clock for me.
3:43
